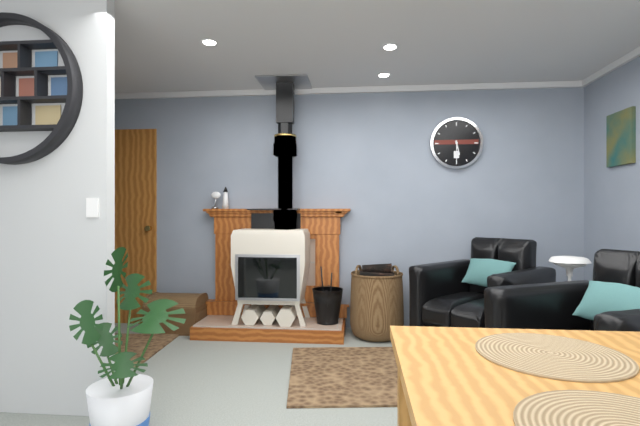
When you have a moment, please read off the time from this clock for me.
5:30
